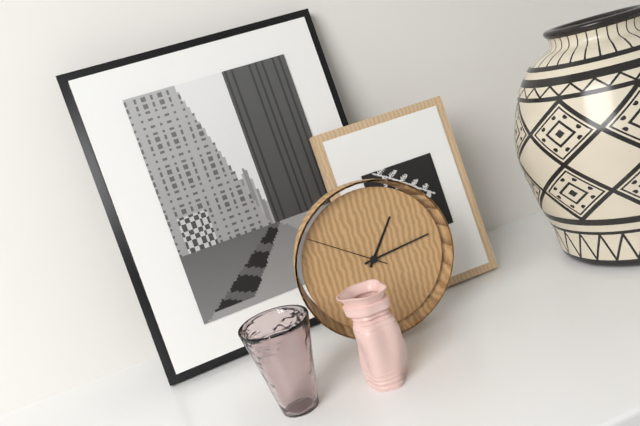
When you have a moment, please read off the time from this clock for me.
1:14:51
